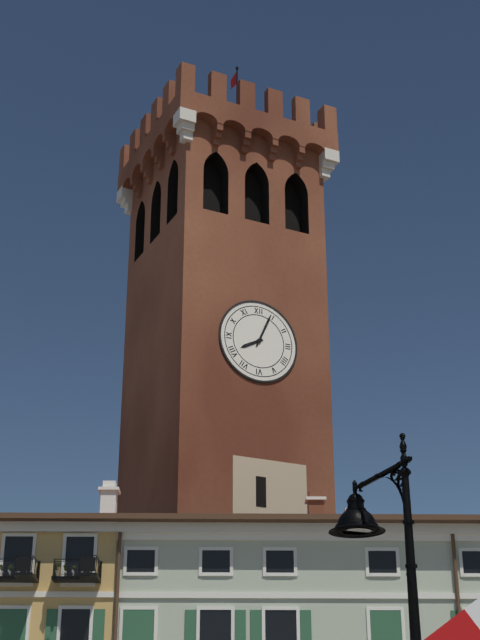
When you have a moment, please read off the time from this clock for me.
8:04
